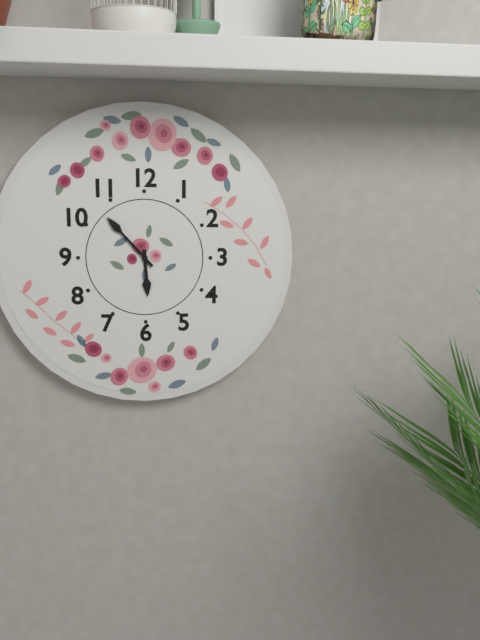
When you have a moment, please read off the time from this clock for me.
5:53
